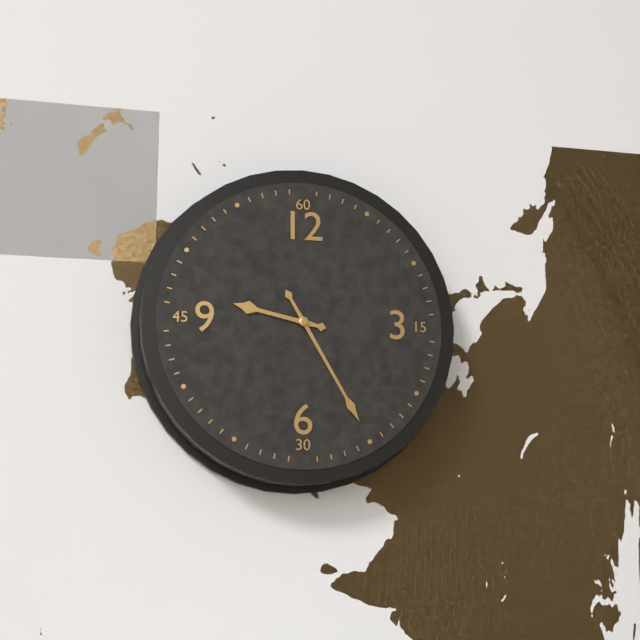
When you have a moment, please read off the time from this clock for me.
9:25
